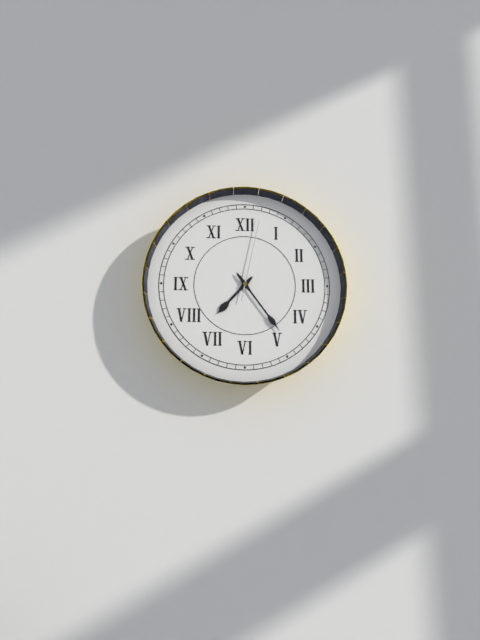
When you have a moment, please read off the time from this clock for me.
7:24:02
